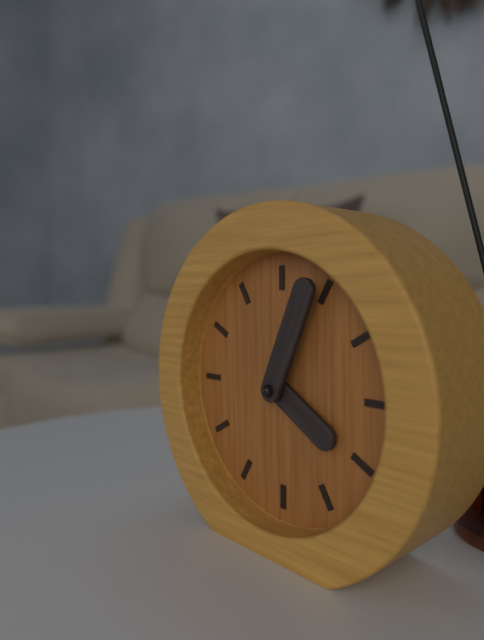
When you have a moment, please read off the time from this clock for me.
4:04
